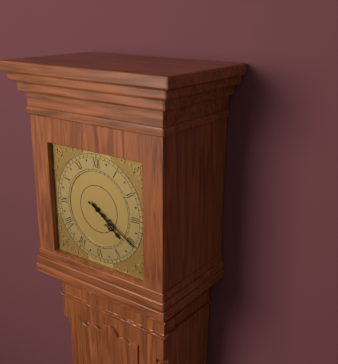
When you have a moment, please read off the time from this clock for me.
4:20
